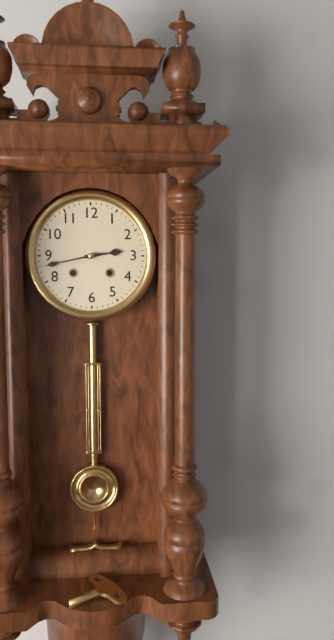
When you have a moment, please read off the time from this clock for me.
2:43
